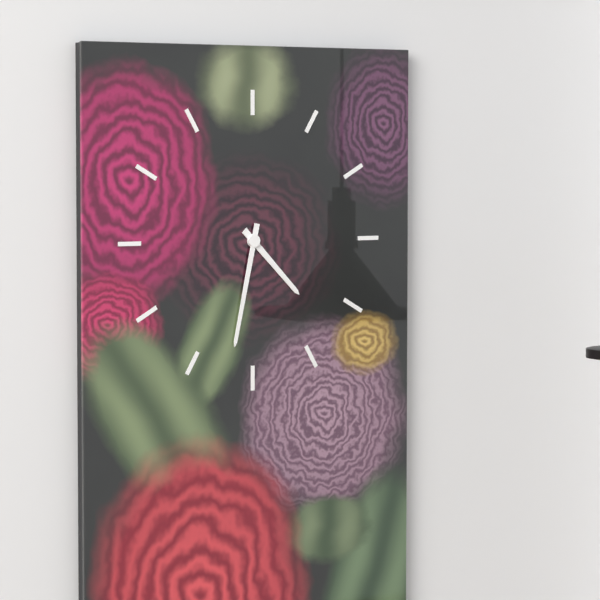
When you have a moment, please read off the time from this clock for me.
4:32
